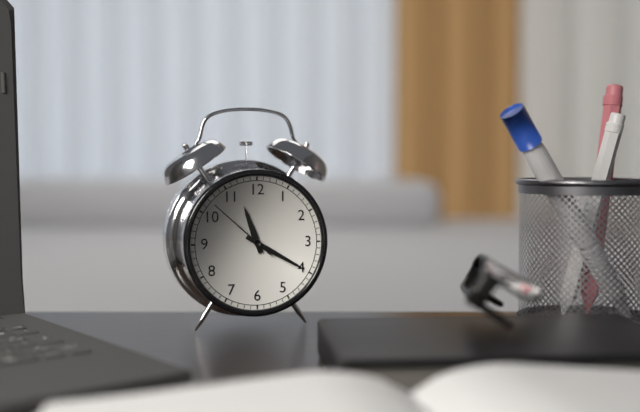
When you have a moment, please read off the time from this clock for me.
11:20:52
